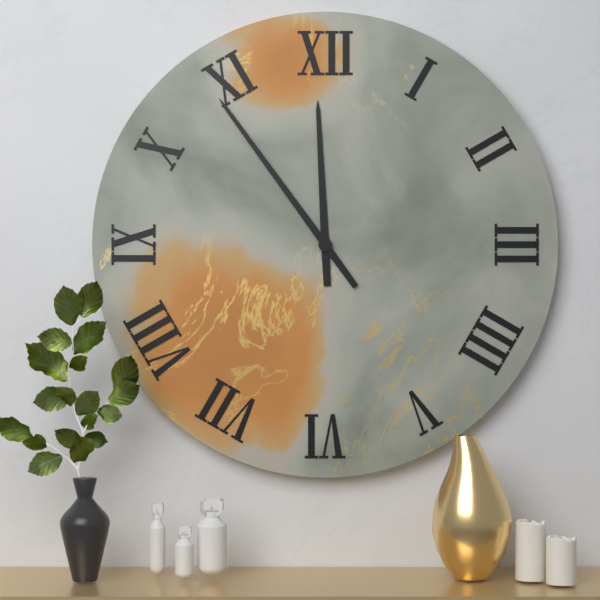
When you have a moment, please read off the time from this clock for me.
11:54
